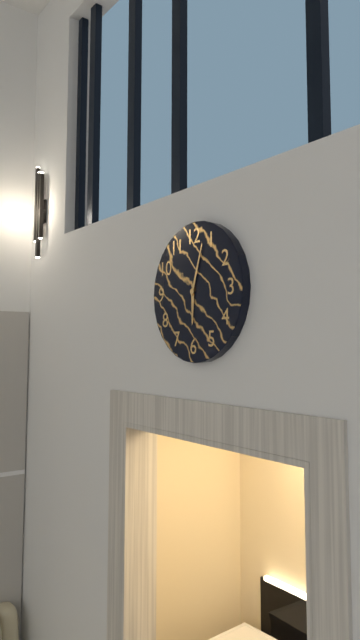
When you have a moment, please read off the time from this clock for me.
6:03
